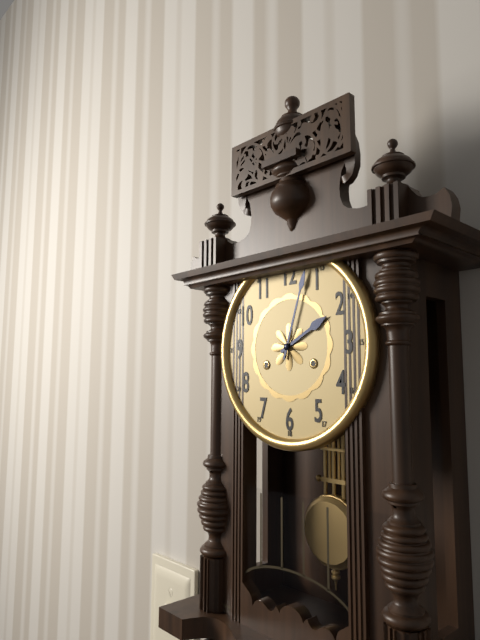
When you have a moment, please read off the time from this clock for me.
2:03
